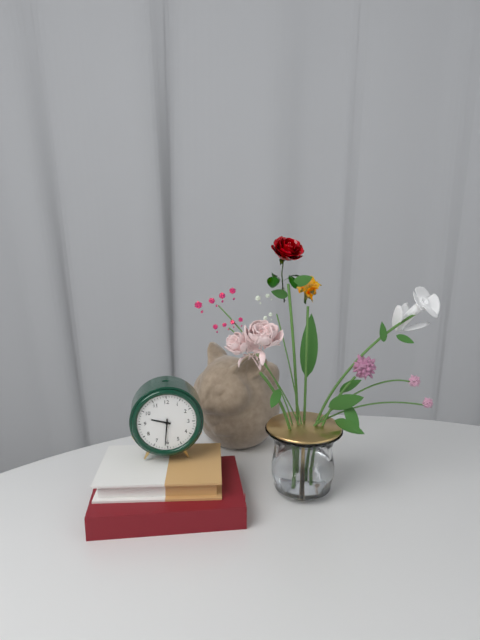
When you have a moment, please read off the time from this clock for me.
9:31
